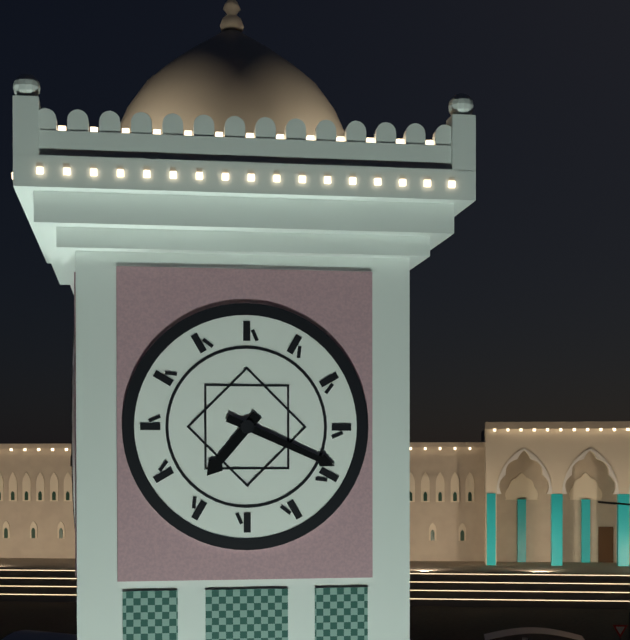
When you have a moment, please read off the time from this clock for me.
7:19
